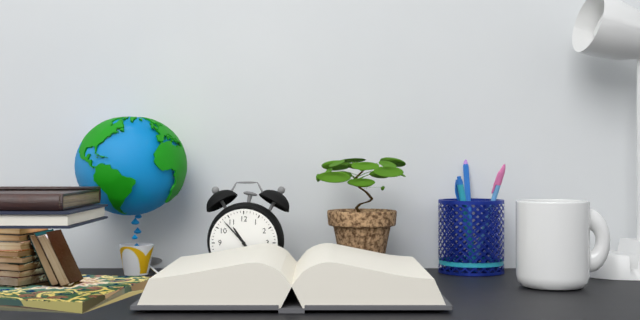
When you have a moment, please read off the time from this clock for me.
10:53
